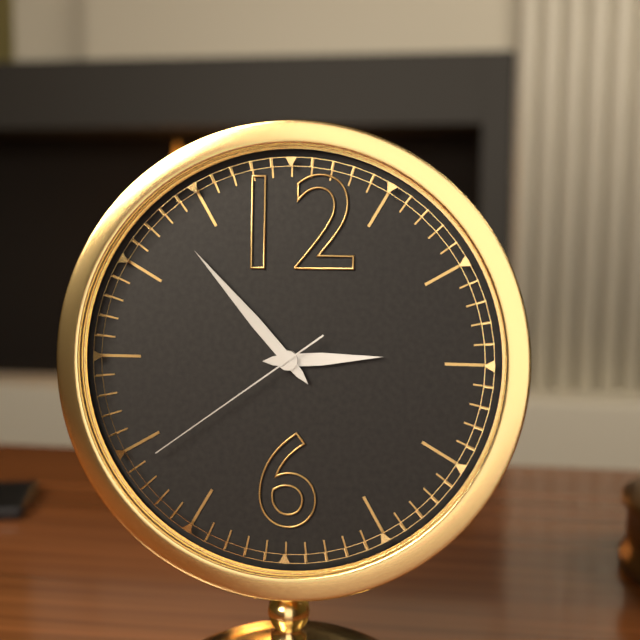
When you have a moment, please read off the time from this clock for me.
2:53:39
